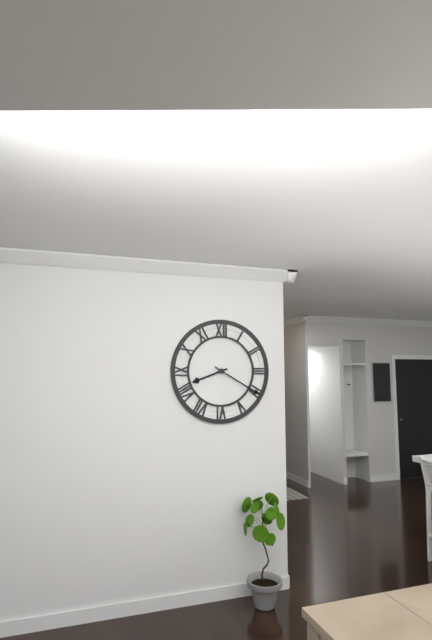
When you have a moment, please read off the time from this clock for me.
8:20
